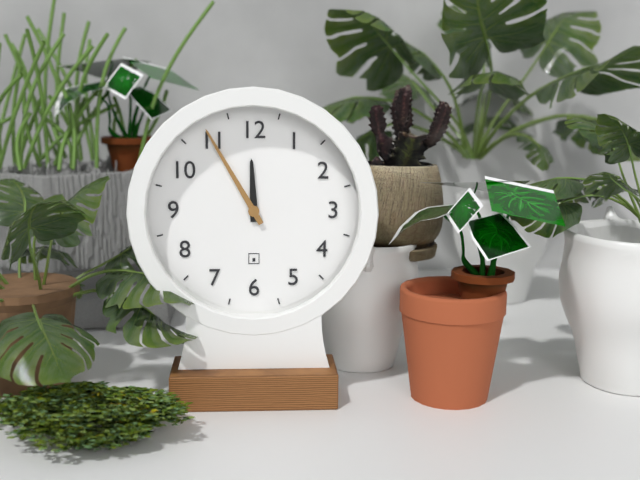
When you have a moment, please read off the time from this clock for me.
11:55
